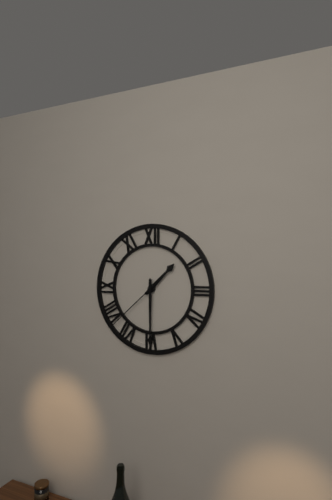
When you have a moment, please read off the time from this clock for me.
1:30:38
